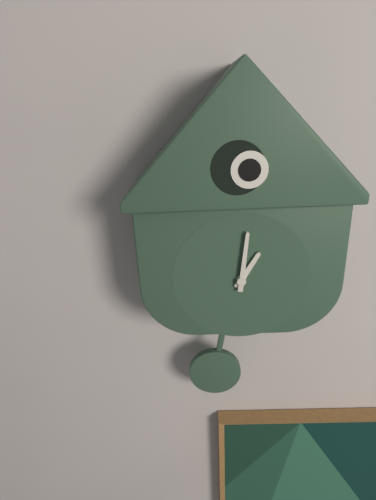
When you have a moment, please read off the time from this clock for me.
1:01
